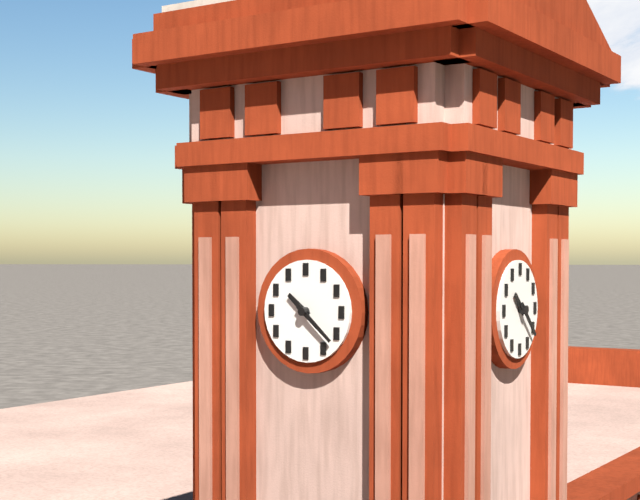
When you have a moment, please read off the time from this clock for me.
10:22
